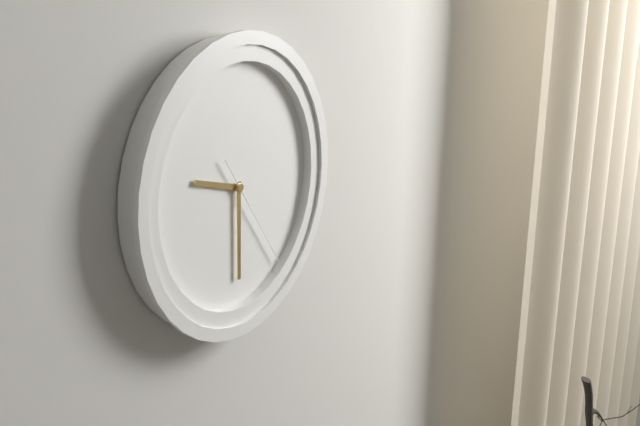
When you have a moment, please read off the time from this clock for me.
9:30:24
